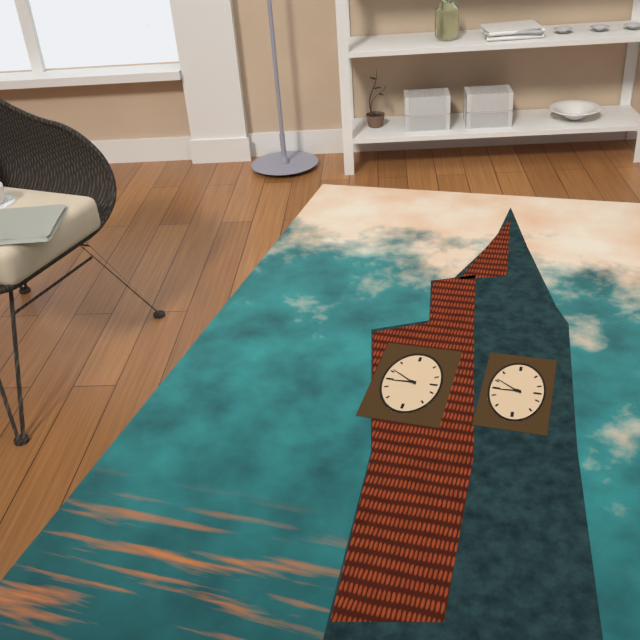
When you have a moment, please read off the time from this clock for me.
8:51
